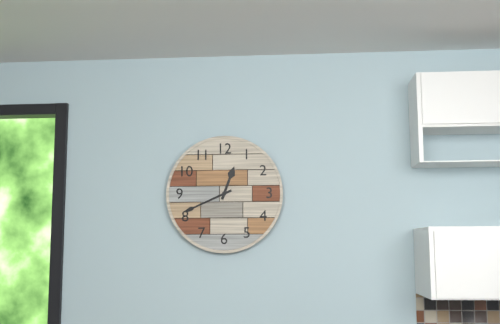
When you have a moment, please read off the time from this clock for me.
12:41
